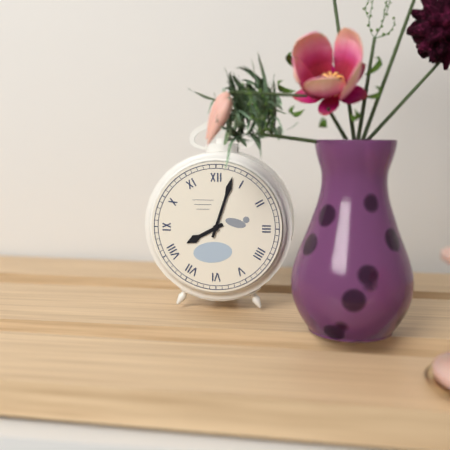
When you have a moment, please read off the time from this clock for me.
8:03
